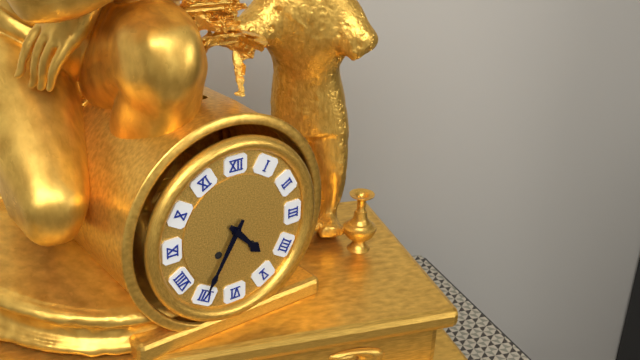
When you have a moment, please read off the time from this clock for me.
4:35
